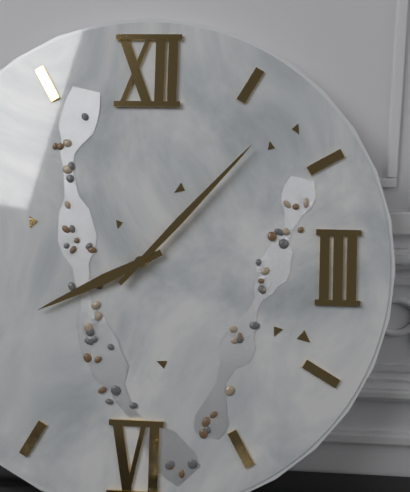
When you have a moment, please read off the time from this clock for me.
8:07
